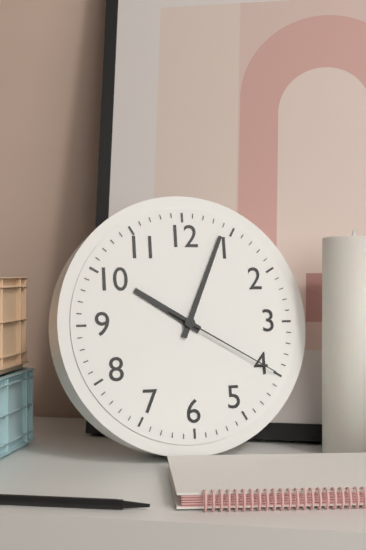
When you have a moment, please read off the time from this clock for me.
10:04:20
